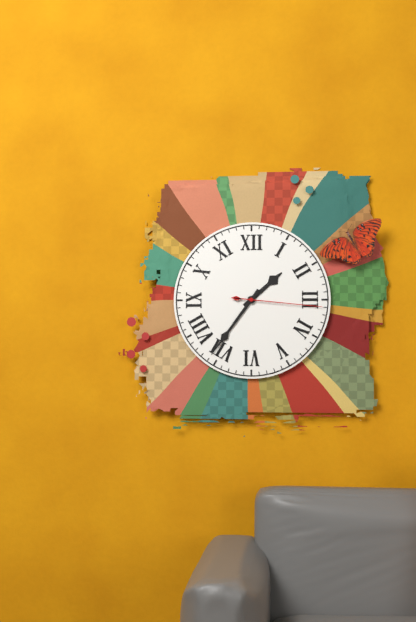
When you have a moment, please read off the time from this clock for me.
1:36:16
